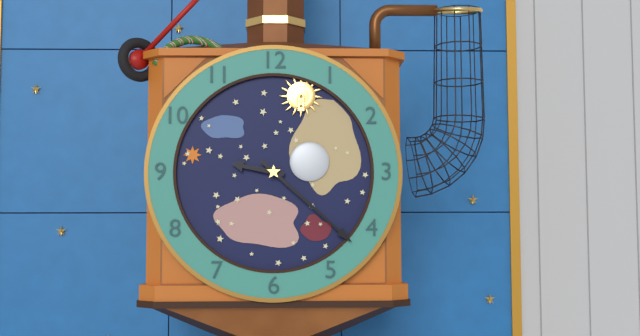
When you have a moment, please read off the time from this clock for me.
9:22
